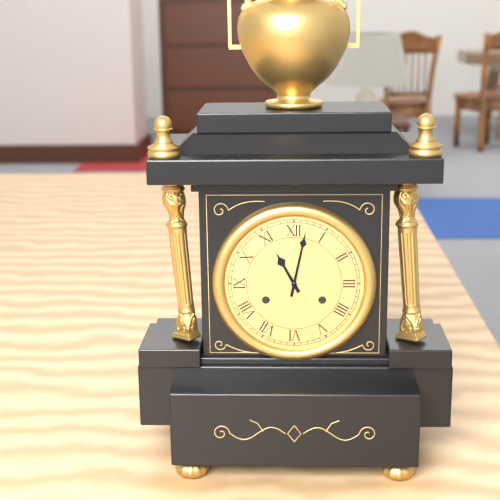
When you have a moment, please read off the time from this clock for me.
11:02
